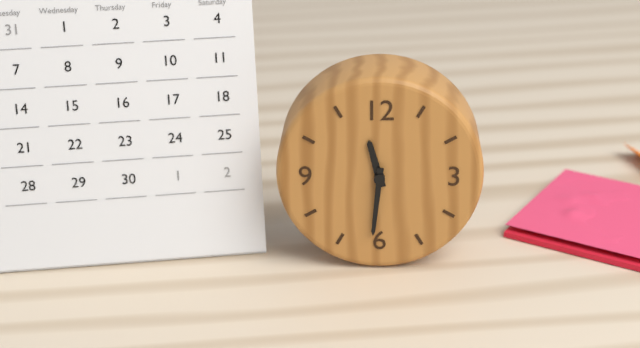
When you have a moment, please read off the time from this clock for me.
11:31
